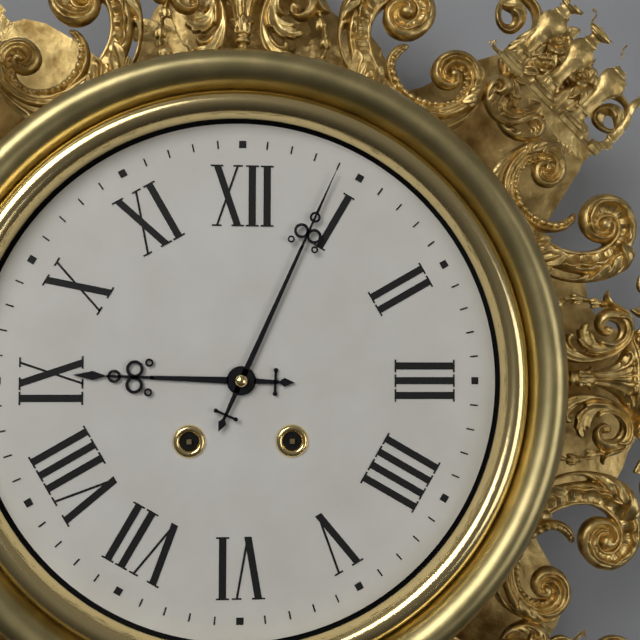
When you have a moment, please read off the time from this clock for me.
9:04
